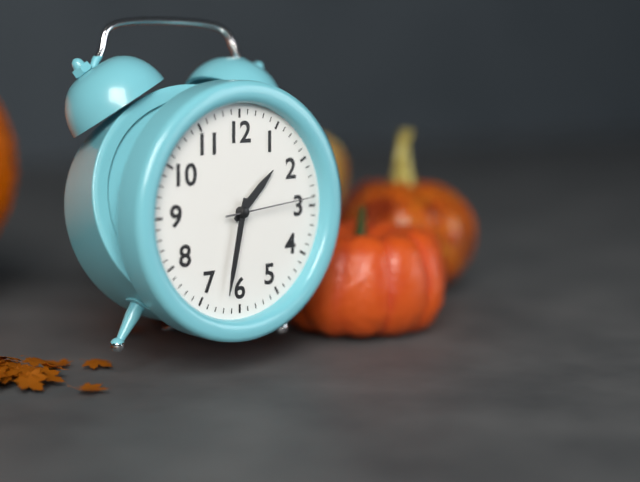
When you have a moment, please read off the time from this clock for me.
1:32:14
